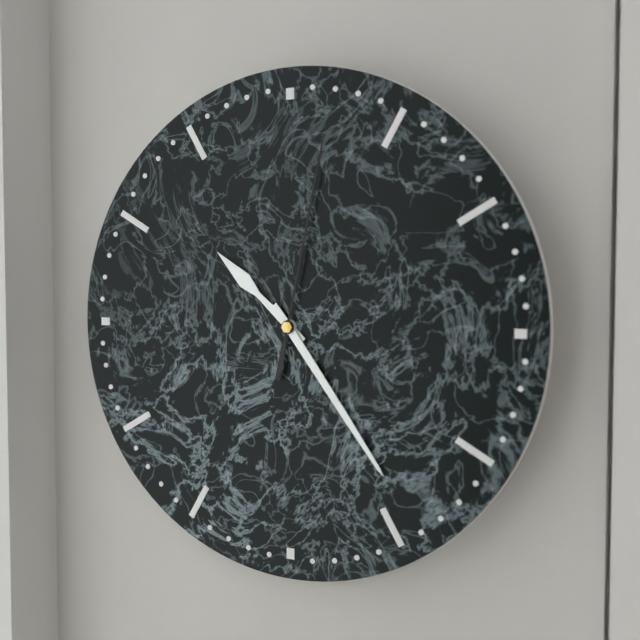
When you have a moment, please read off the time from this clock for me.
10:24:02
